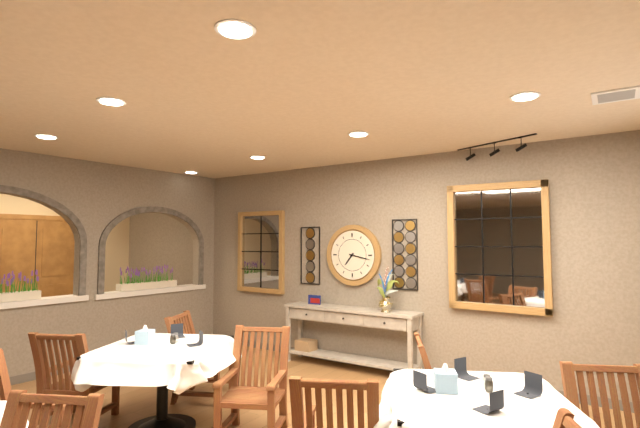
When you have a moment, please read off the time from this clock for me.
7:17
